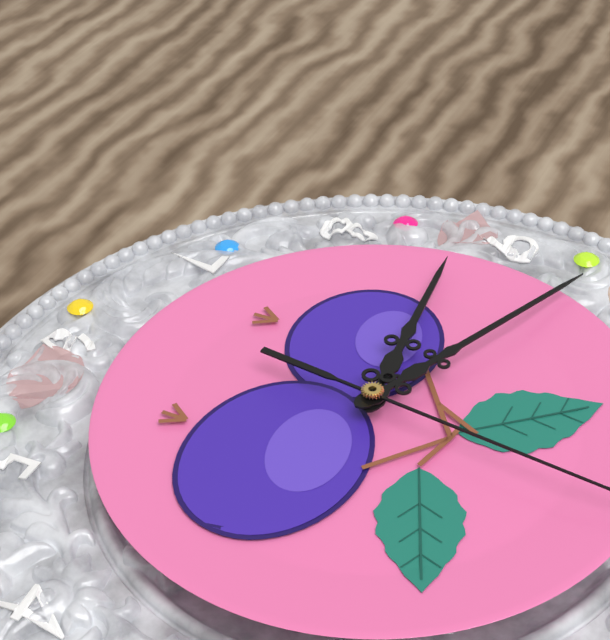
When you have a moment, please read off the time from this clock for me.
8:49
